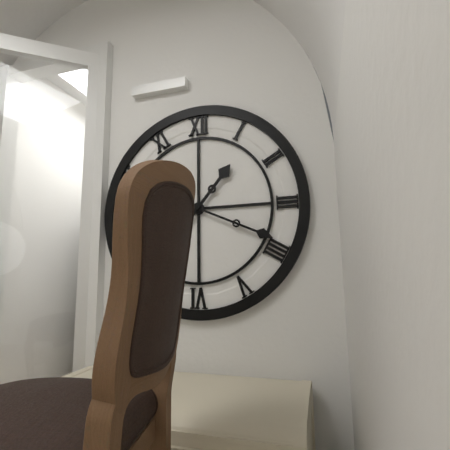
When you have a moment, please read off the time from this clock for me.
1:19
